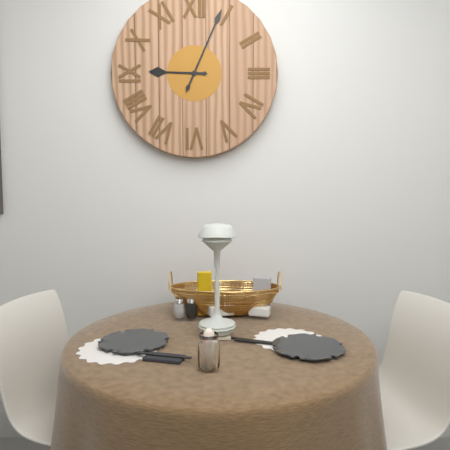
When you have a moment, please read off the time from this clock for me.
9:04
